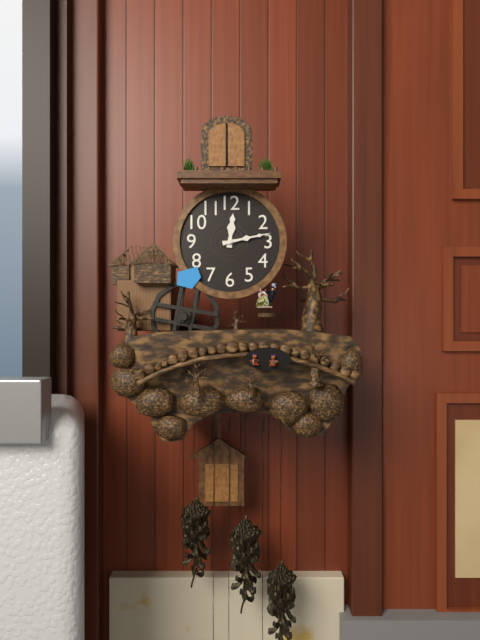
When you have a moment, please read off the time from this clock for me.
12:13
